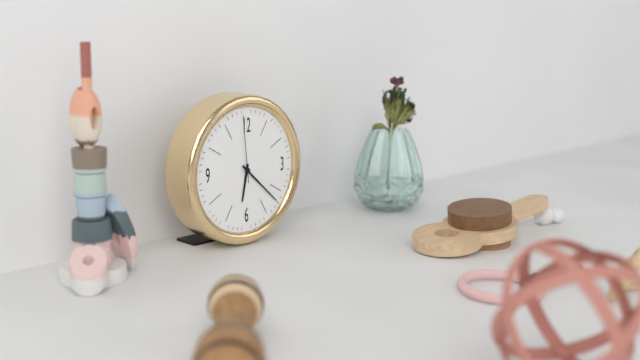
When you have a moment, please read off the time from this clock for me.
6:22:59
